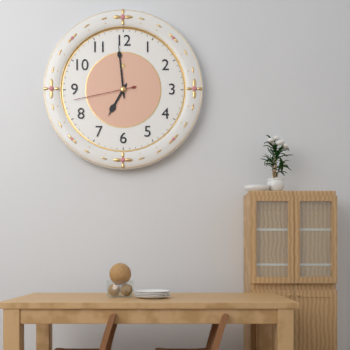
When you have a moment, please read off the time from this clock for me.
6:59:43
